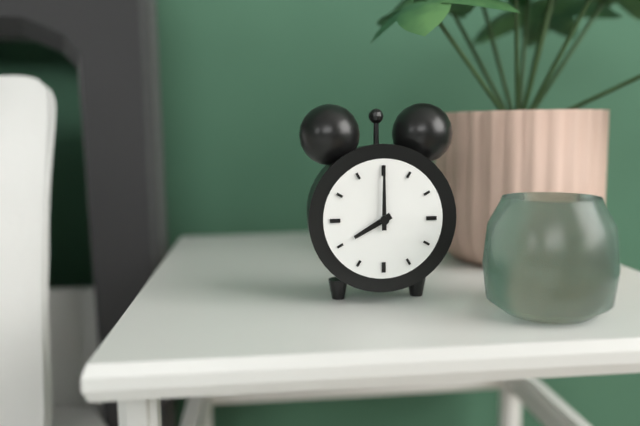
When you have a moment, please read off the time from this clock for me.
8:00
